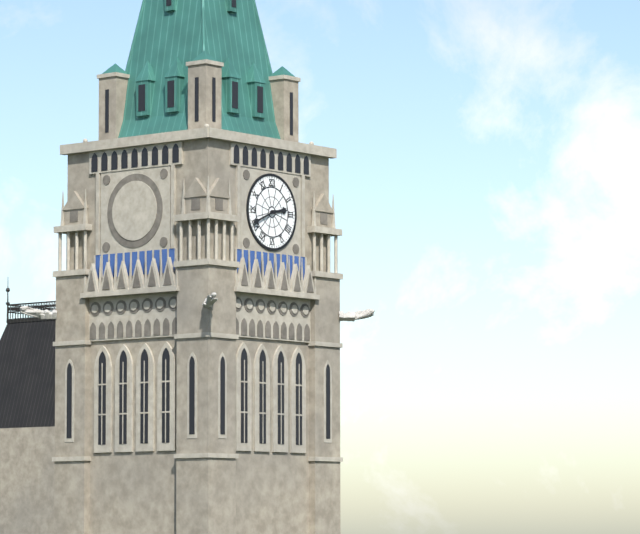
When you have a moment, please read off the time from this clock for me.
2:41
